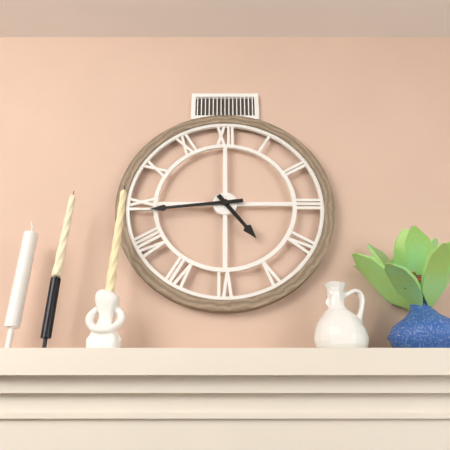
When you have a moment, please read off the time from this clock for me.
4:44
